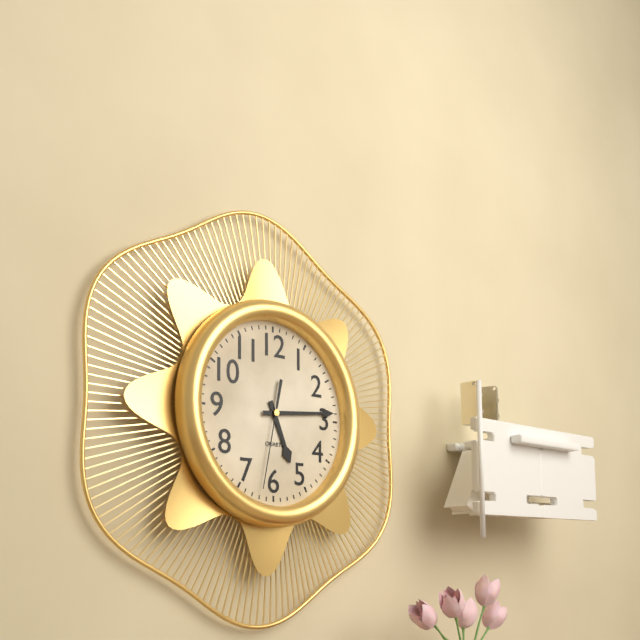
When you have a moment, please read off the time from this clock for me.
5:14:32
